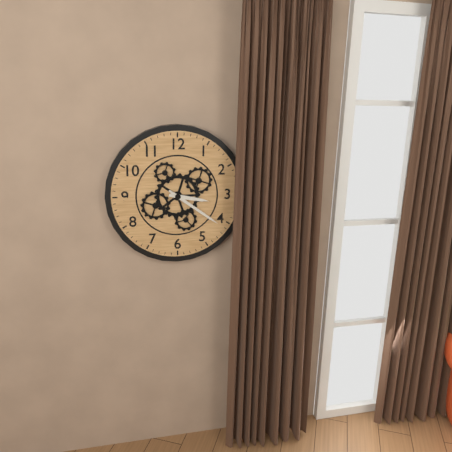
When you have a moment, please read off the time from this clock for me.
3:21
